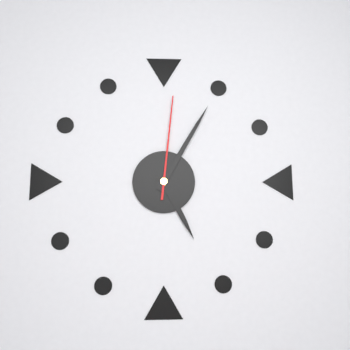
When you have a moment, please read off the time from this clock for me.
5:05:01
